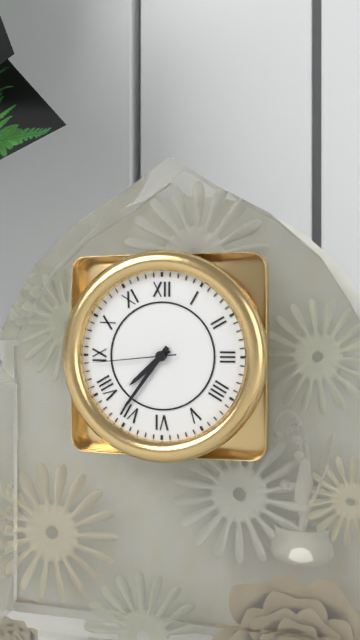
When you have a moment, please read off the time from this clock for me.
7:36:44
